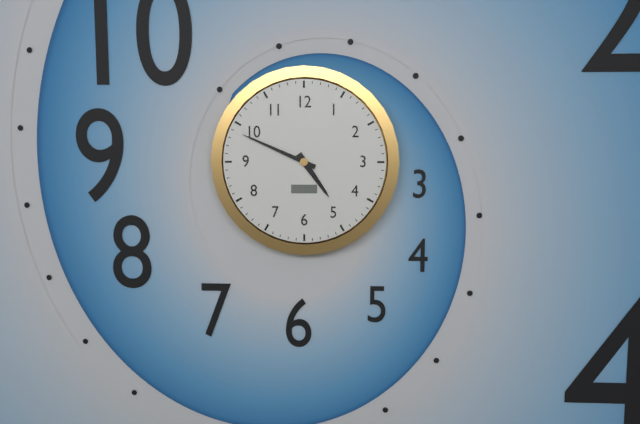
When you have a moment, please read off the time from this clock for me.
4:49
